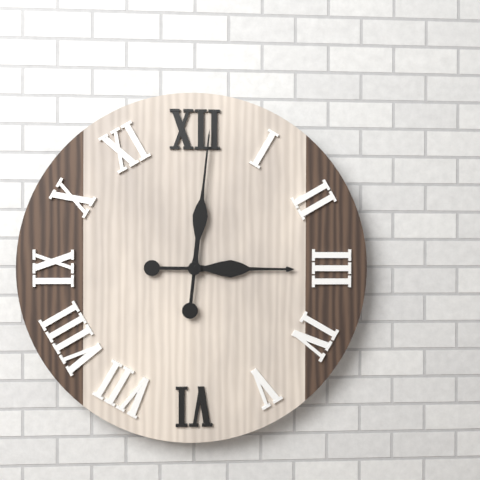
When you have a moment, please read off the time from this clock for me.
3:01
